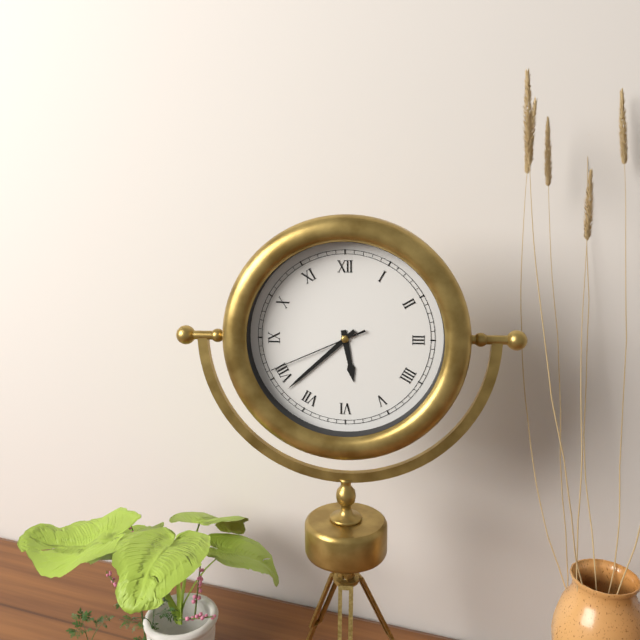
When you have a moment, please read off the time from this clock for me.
5:38:41
